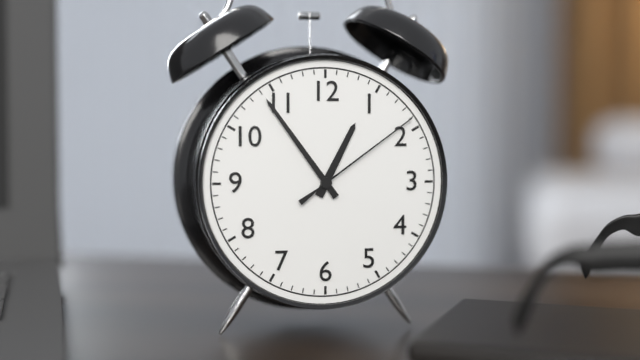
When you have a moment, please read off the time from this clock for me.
12:54:09
